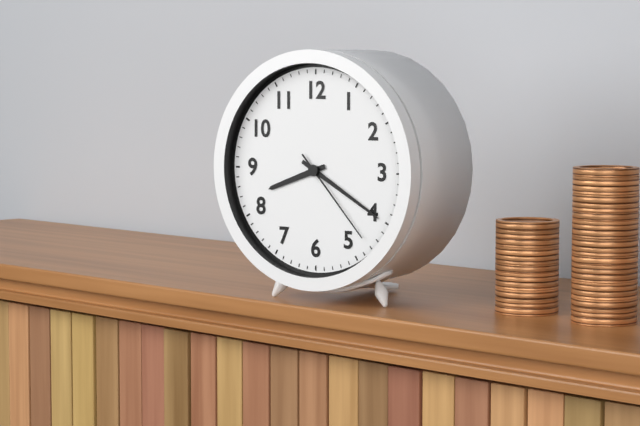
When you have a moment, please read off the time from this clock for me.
8:20:23
